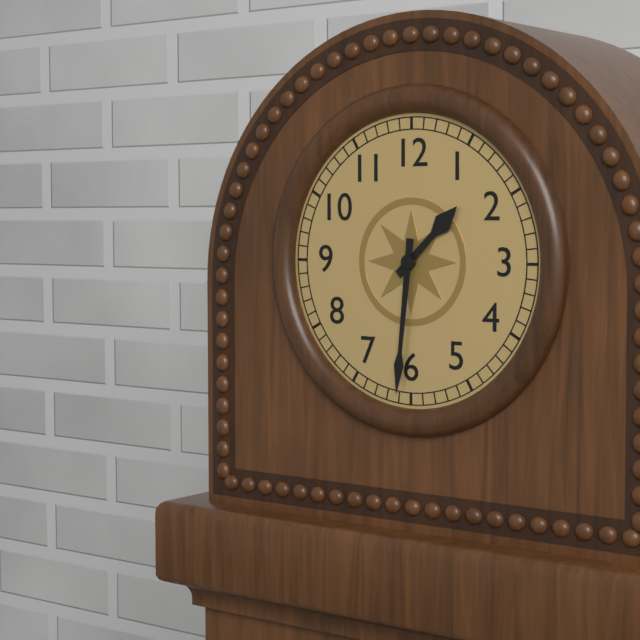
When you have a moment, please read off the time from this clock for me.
1:31
